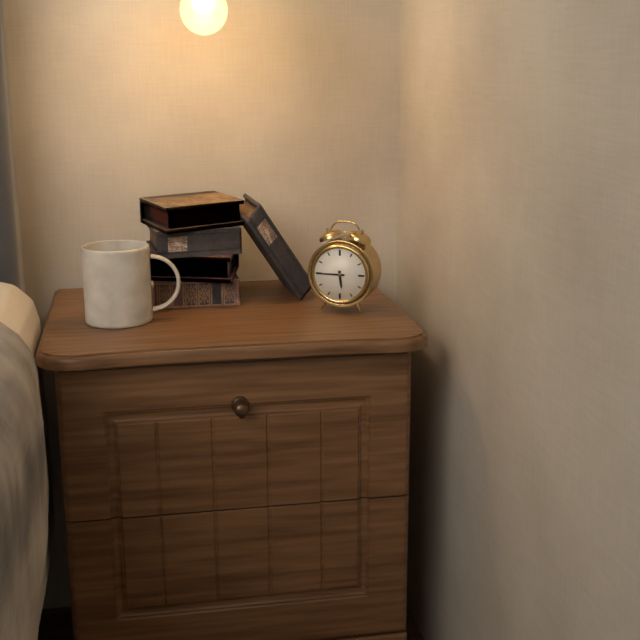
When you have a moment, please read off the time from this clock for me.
5:45
